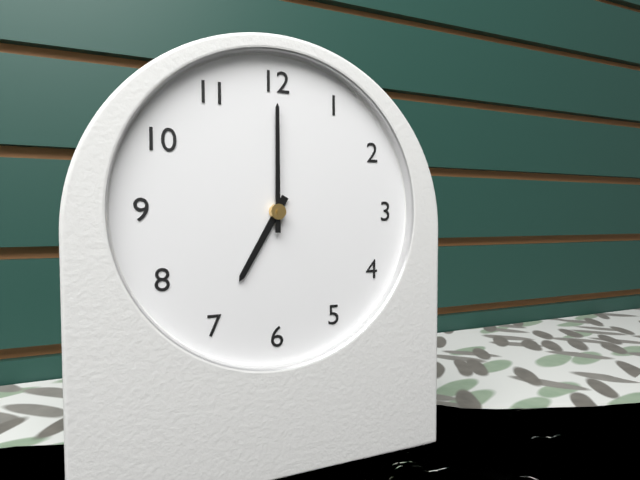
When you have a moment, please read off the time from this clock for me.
7:00
